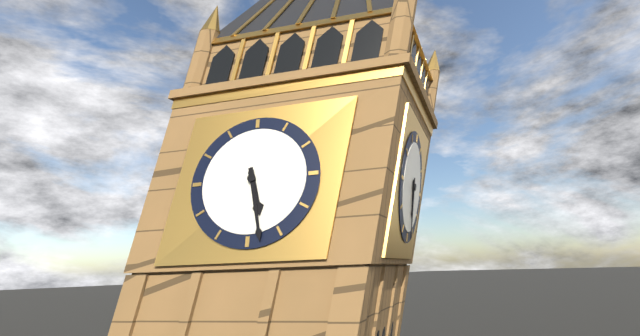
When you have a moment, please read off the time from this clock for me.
5:28
